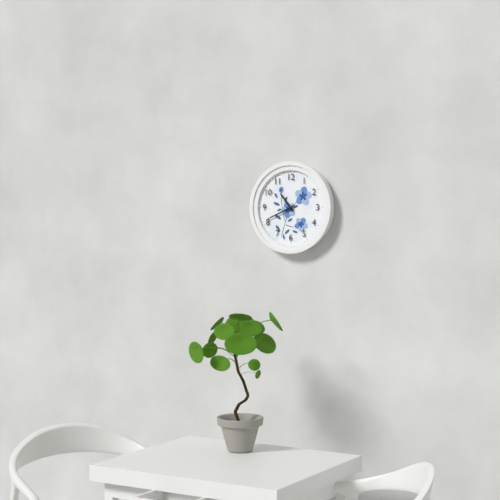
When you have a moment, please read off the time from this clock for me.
10:41
